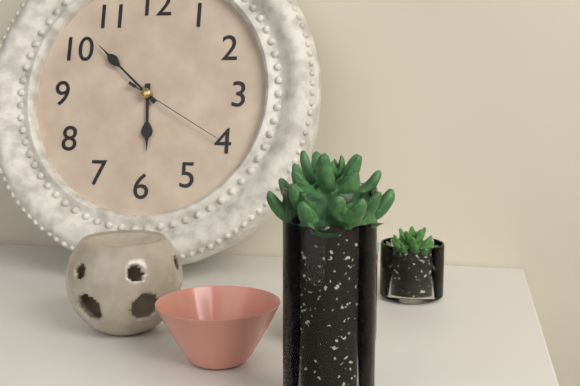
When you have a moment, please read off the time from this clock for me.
5:52:20
